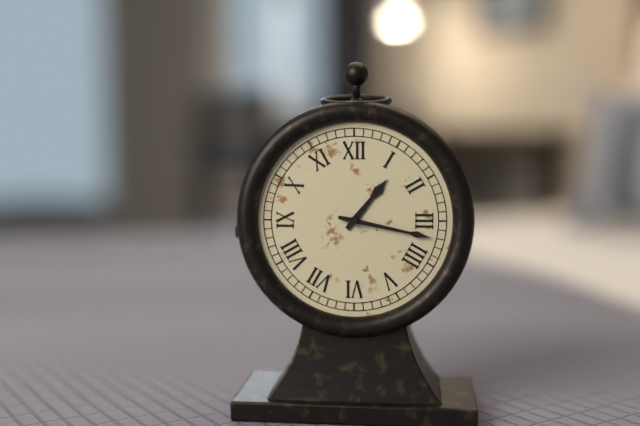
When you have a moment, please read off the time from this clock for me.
1:17
